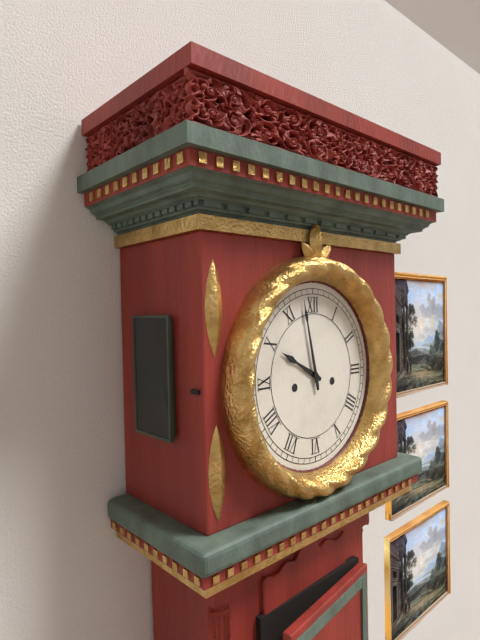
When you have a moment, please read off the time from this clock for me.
9:58
